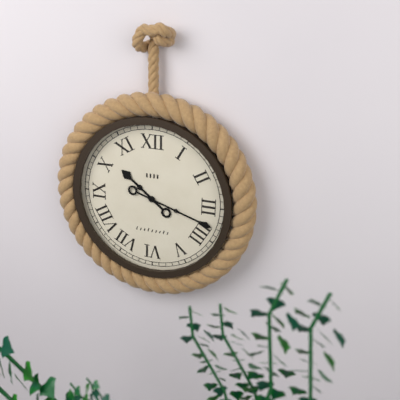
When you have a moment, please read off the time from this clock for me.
10:18
